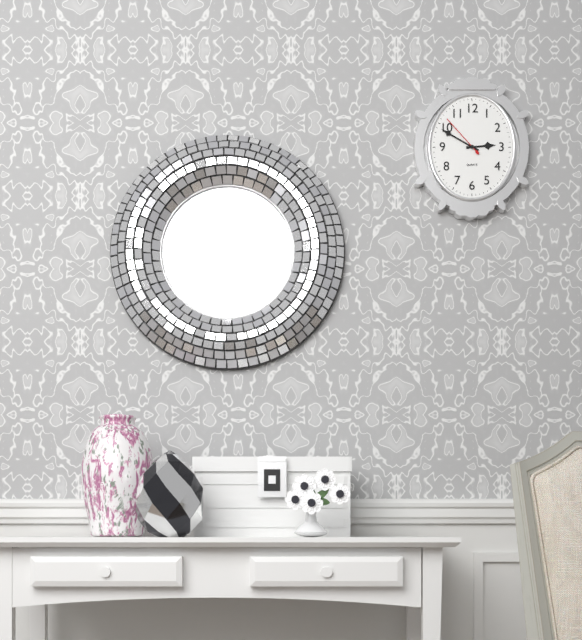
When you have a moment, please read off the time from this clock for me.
2:50
